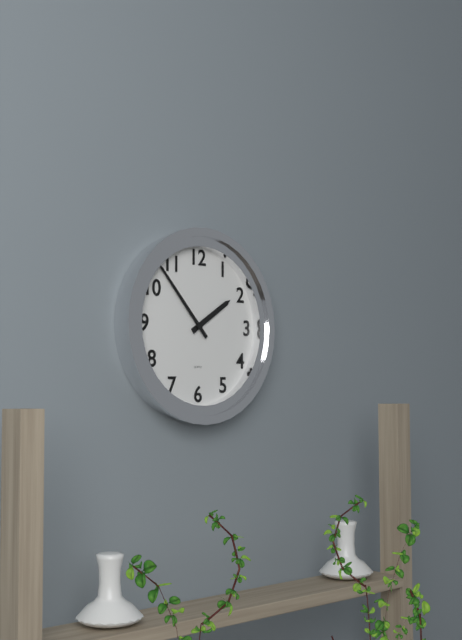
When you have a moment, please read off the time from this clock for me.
1:53
